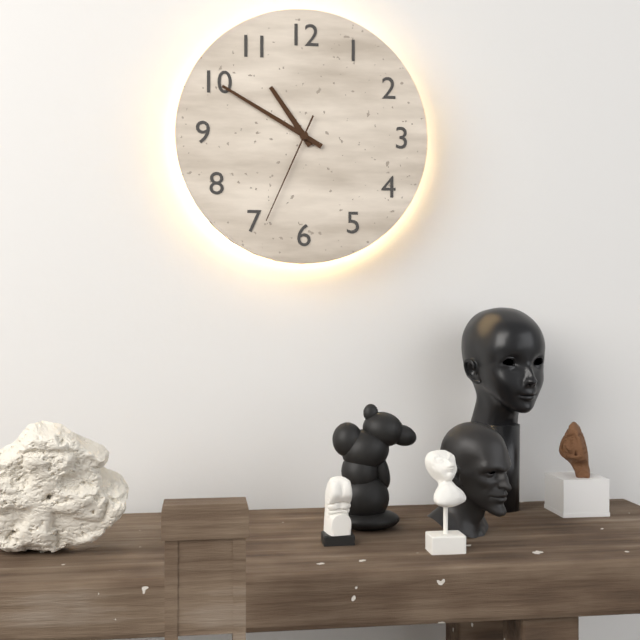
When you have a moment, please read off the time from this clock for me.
10:50:34
